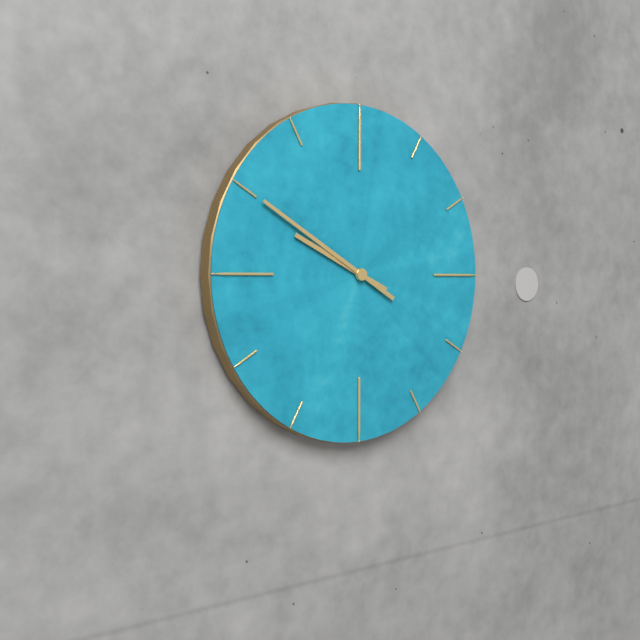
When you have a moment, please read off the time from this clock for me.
9:50
